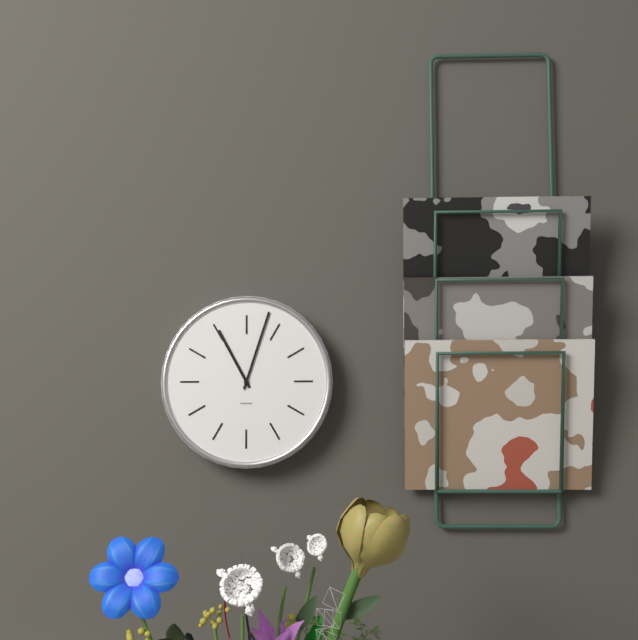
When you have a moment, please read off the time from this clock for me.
11:03
